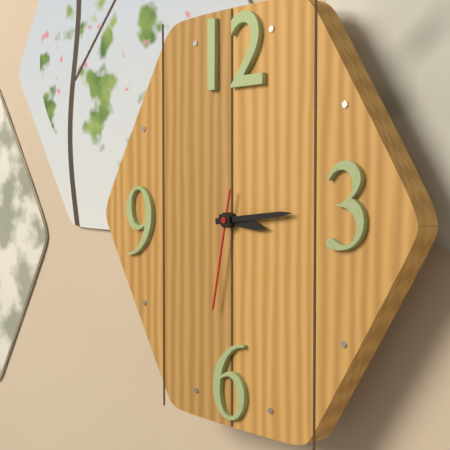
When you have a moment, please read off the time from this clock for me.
3:14:32
